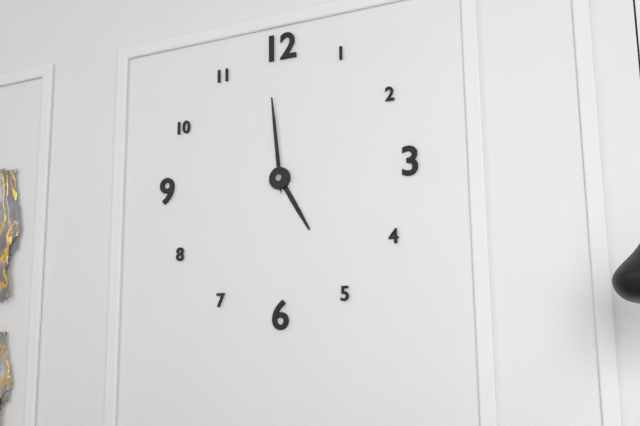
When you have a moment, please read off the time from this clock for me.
4:59
